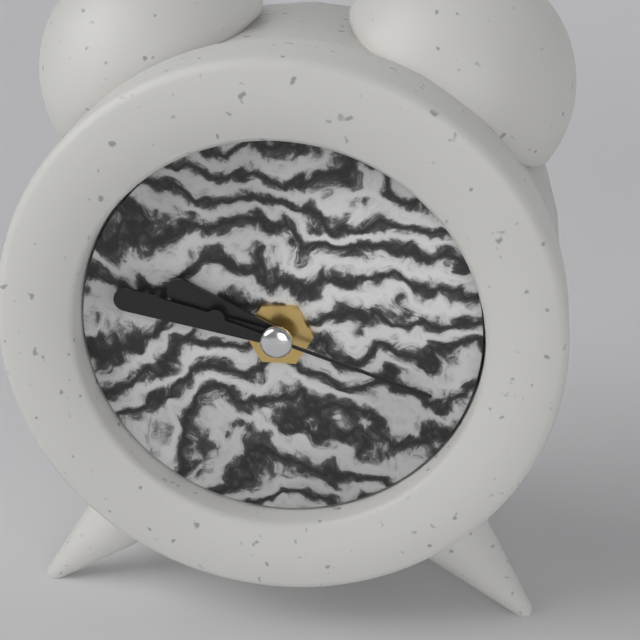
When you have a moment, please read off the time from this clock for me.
9:47:18
